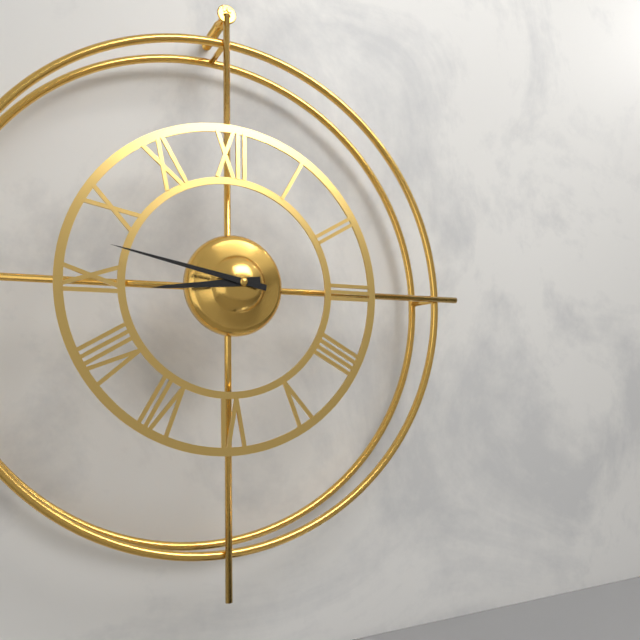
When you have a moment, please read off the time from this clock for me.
8:47
